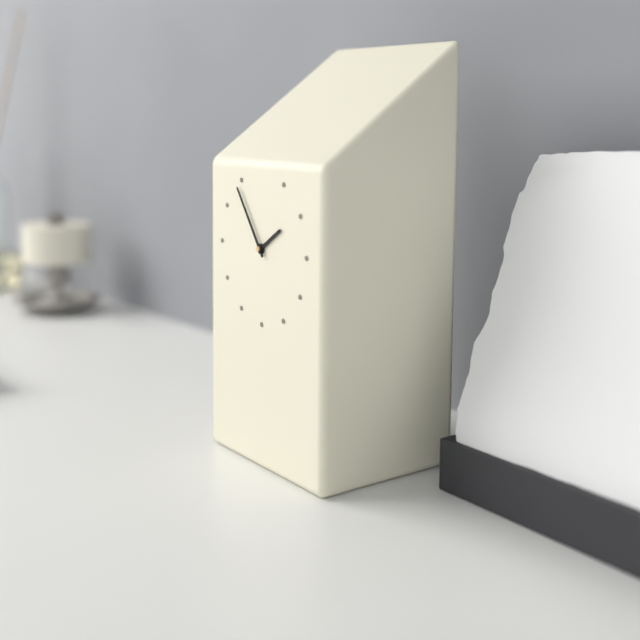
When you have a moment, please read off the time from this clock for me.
1:54
